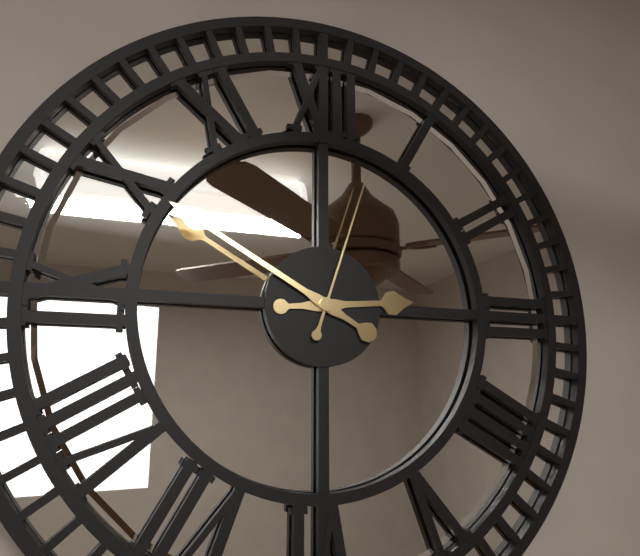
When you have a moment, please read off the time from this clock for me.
2:50:03
